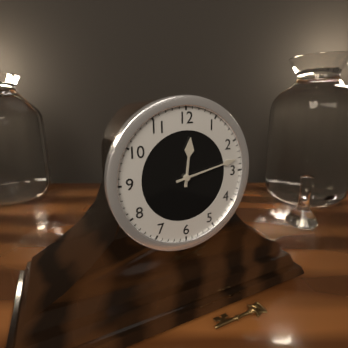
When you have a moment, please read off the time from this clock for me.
12:13
